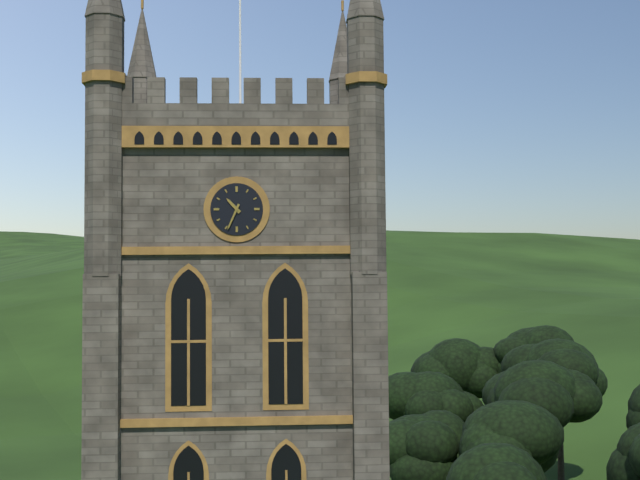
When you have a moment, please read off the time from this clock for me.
10:34
